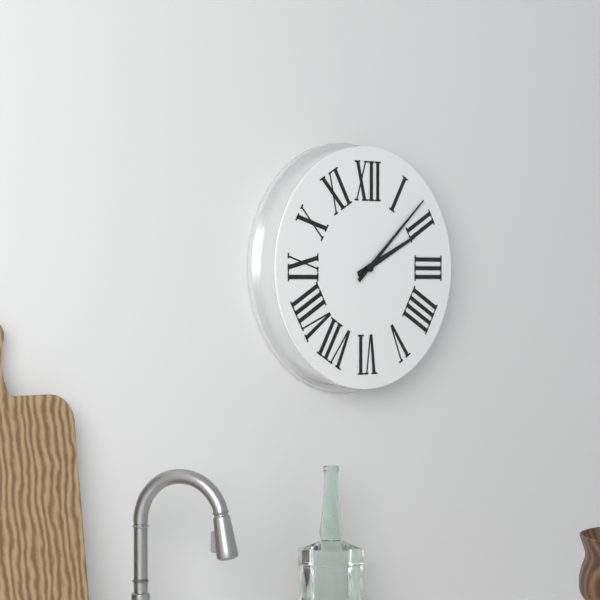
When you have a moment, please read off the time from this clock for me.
2:08
